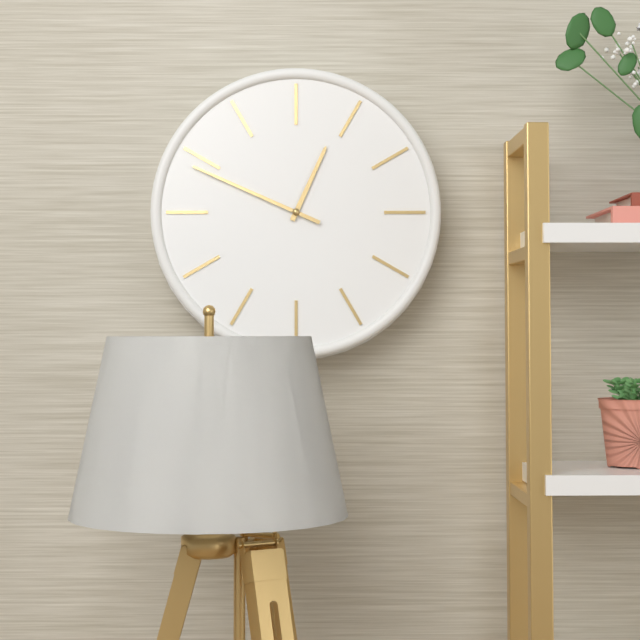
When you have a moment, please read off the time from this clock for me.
12:49
